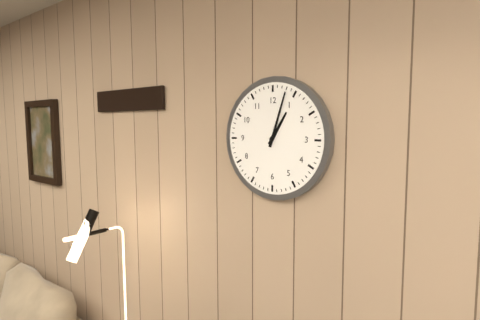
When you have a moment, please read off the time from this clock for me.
1:03
